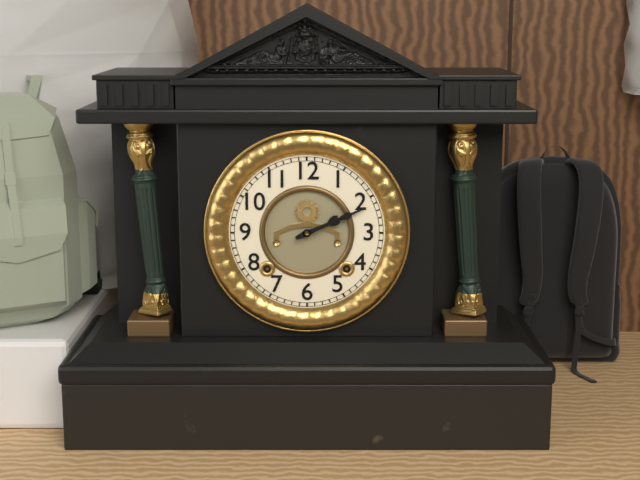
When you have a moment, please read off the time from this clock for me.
2:11
